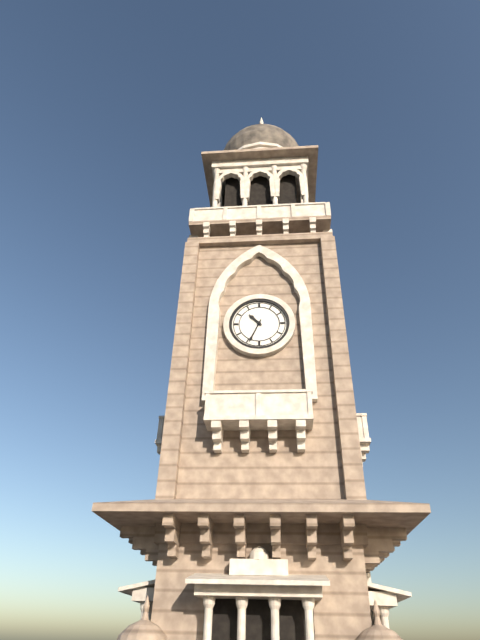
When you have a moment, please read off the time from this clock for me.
10:34
